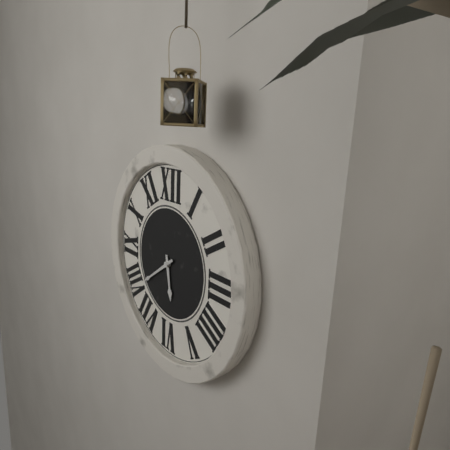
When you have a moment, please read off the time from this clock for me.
5:39
